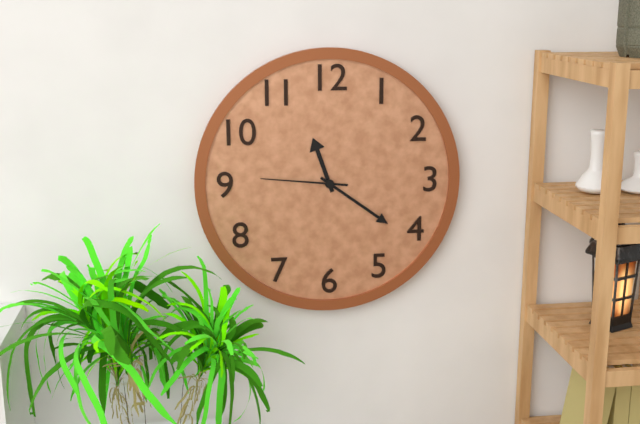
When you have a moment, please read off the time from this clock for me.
11:21:46
